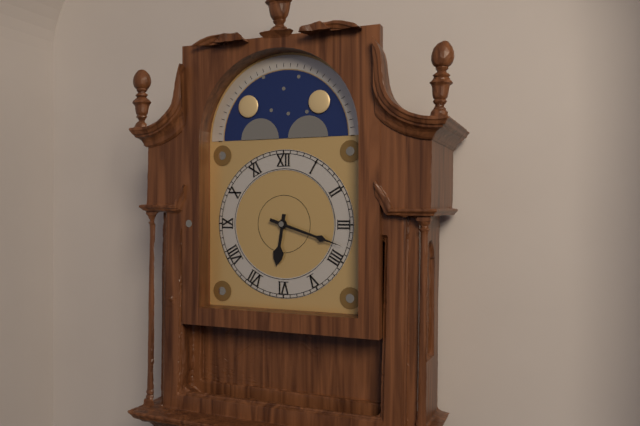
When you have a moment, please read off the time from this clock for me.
6:18
